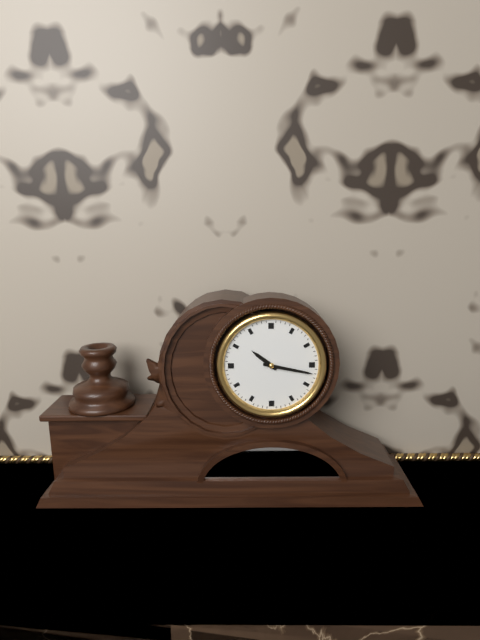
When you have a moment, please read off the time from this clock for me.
10:17
